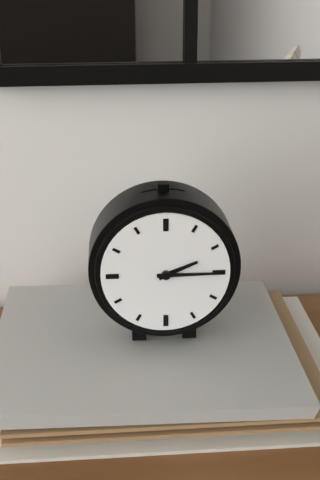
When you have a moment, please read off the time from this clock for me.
2:15
